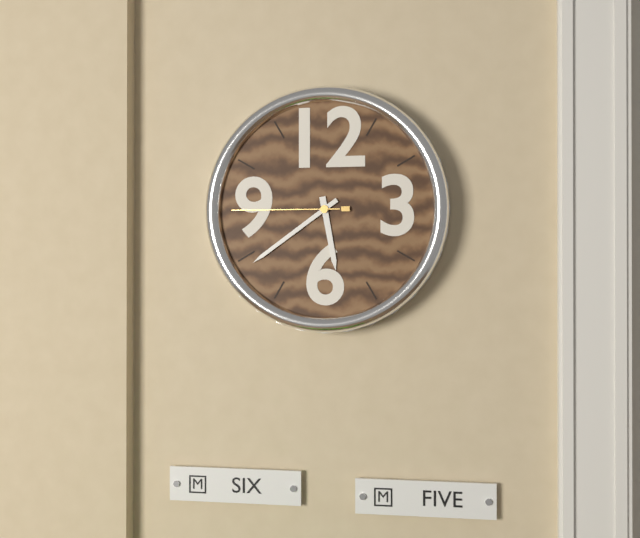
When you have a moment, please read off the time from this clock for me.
5:39:45
